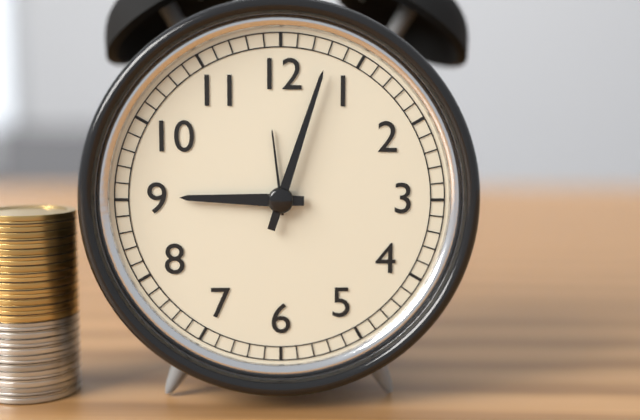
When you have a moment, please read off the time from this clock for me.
9:03
